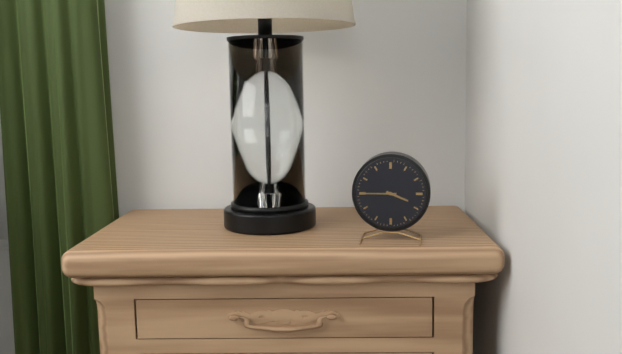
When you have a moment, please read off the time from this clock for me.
3:45
